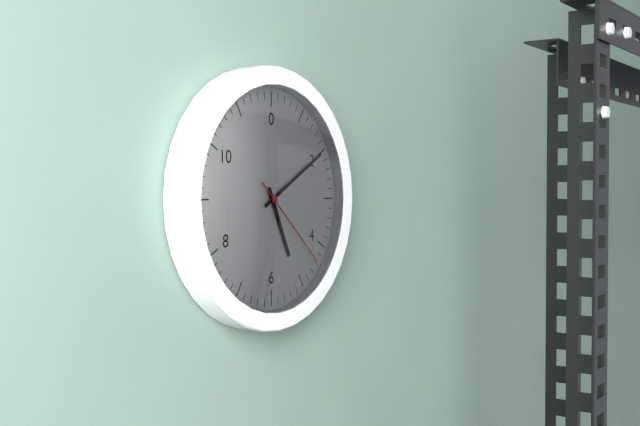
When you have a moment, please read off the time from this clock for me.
5:10:22
